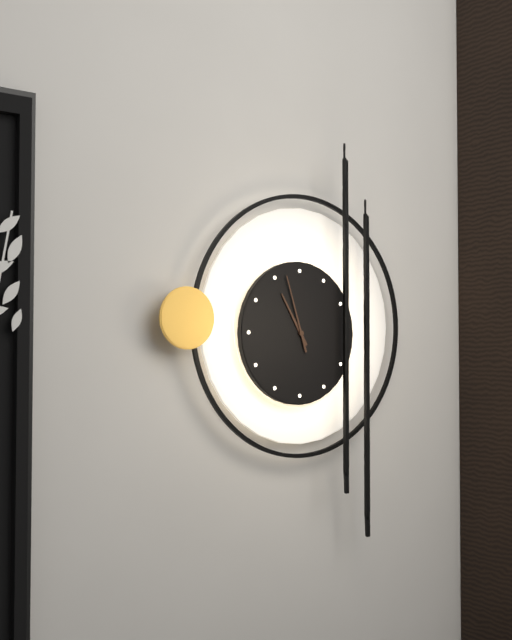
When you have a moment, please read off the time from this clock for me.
10:57
